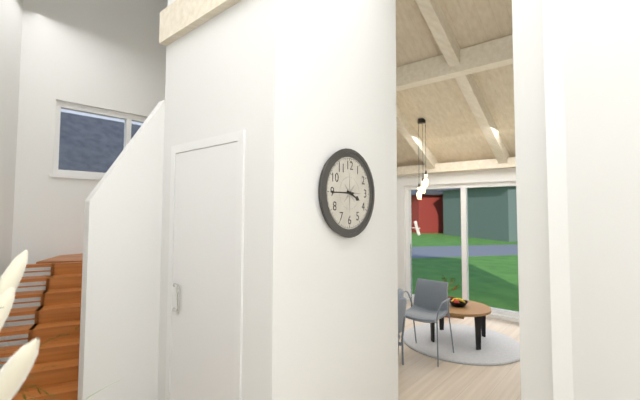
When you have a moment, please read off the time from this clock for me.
3:45
